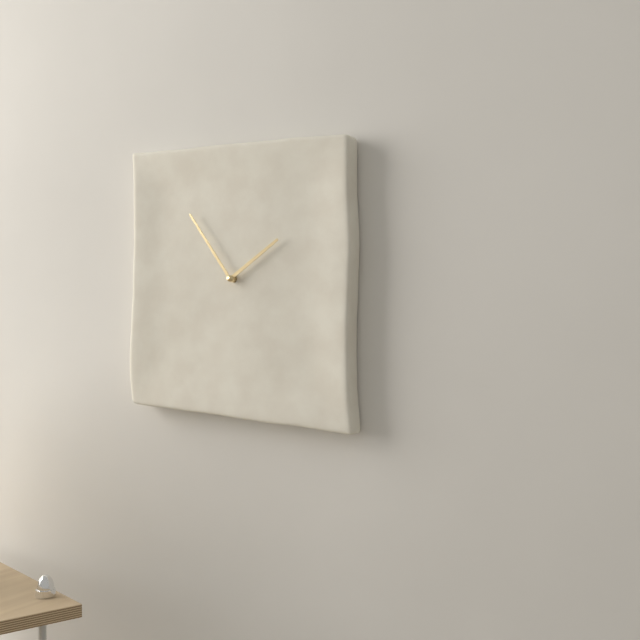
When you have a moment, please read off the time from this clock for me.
1:54
